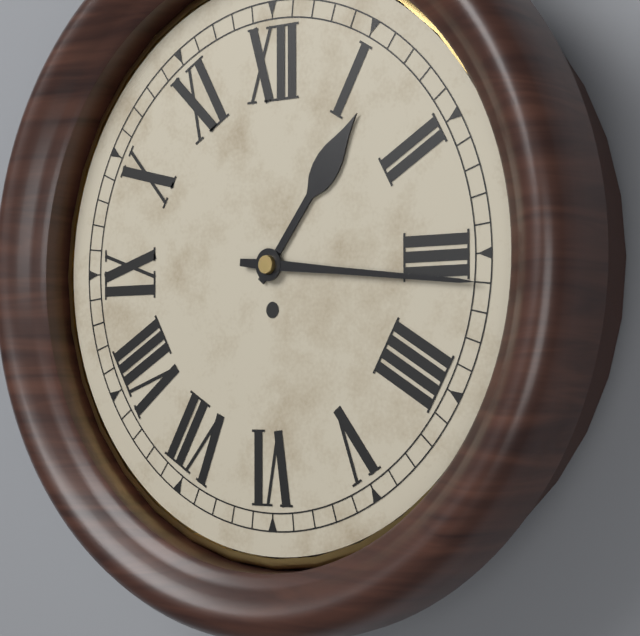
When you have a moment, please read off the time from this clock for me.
1:16
